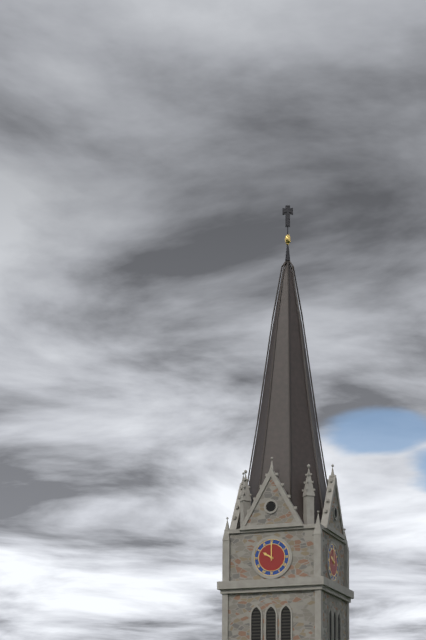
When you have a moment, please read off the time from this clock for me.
10:00
